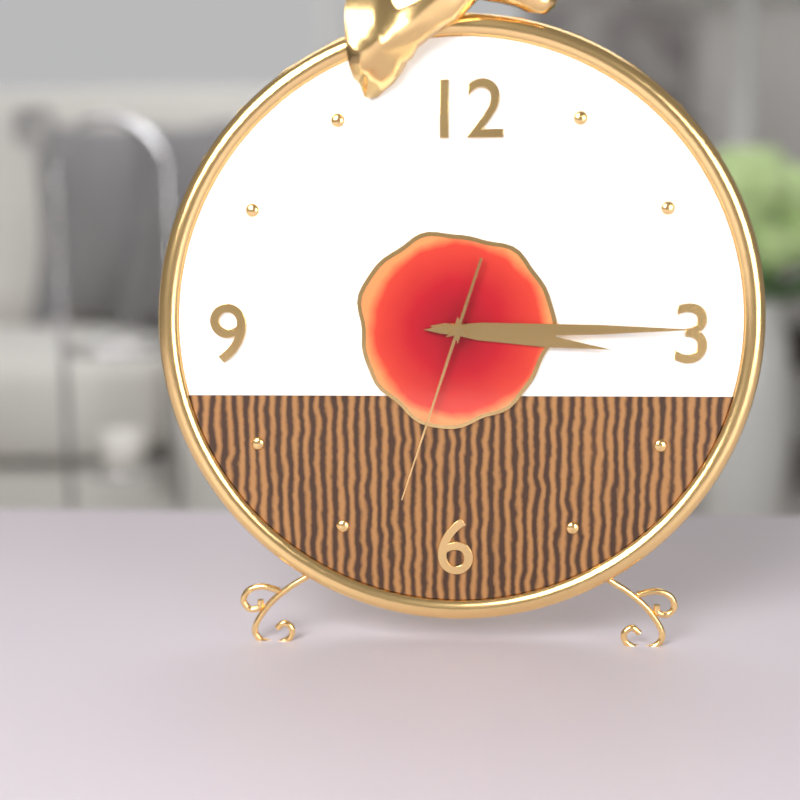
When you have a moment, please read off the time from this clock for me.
3:15:33
